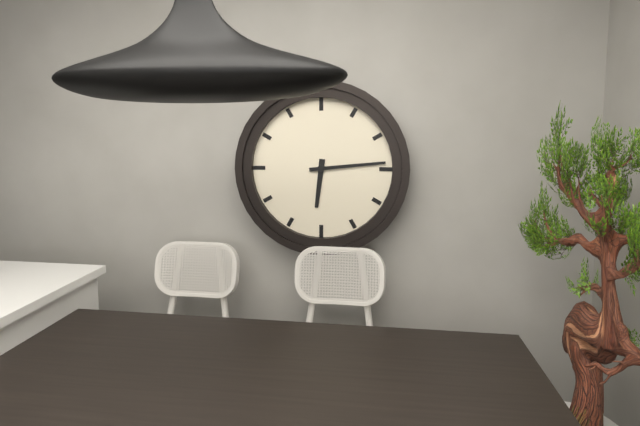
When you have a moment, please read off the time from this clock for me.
6:14
